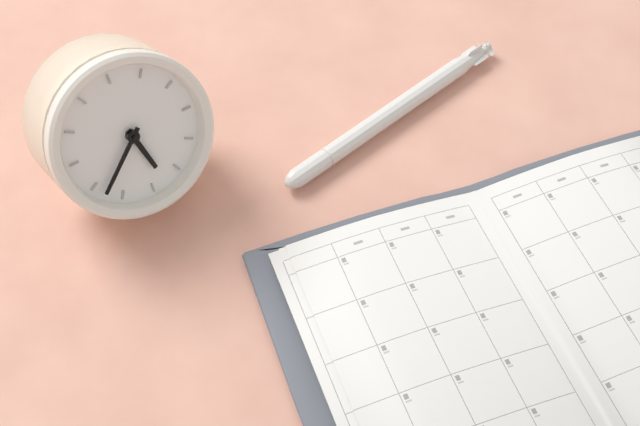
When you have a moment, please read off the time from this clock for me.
4:33
